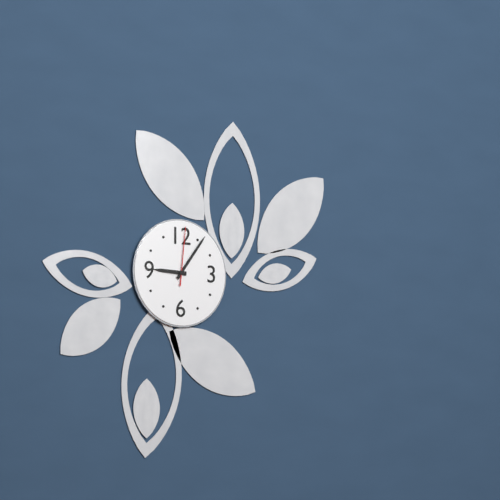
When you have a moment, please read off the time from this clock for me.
9:06:01
